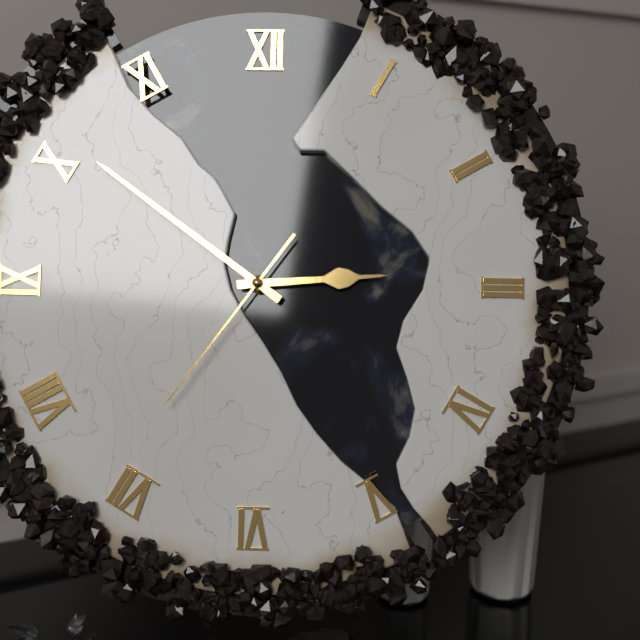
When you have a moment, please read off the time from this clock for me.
2:51:36
